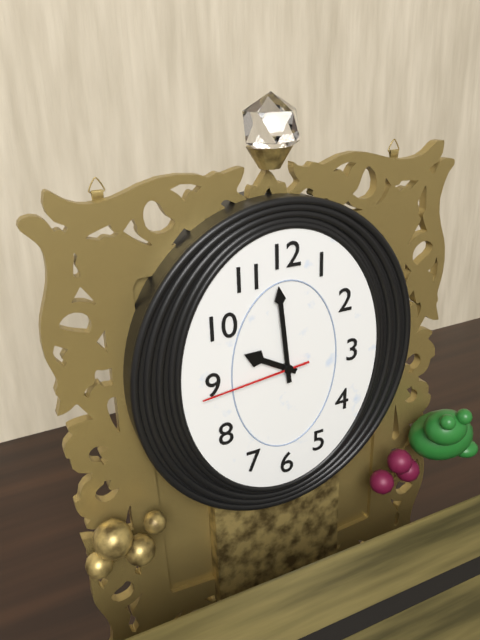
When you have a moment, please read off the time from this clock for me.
9:59:44
